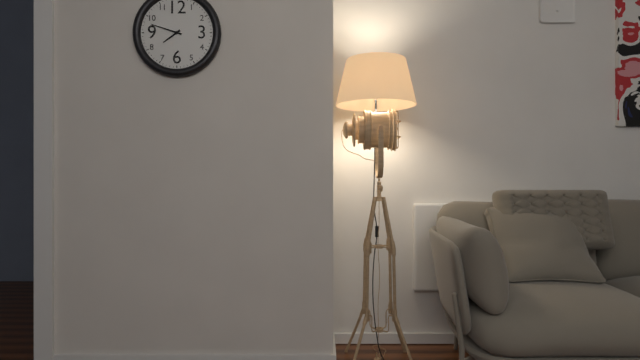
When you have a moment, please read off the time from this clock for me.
7:48
